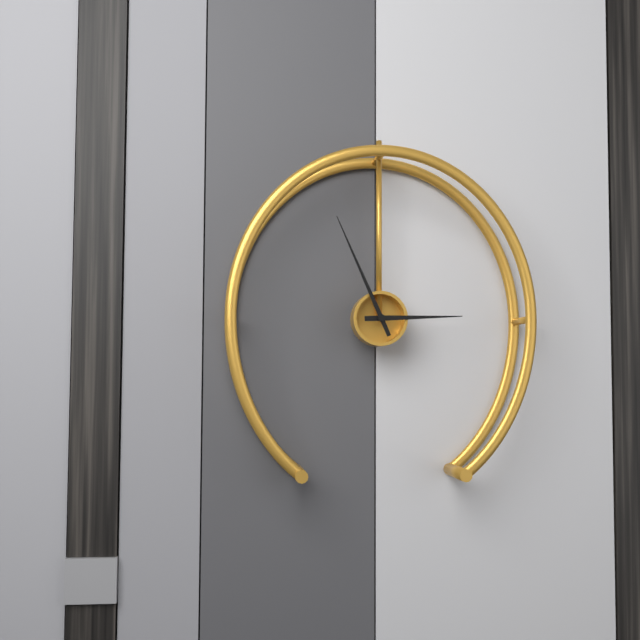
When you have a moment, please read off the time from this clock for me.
2:56
